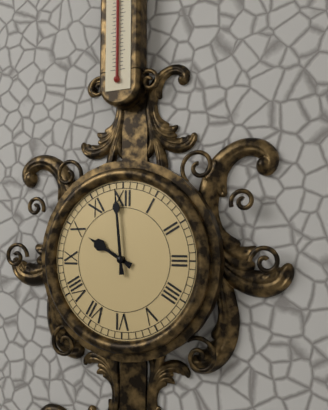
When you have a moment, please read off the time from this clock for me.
9:59
